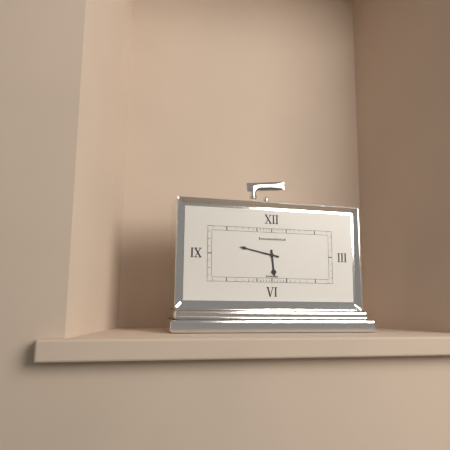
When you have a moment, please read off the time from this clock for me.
5:47
